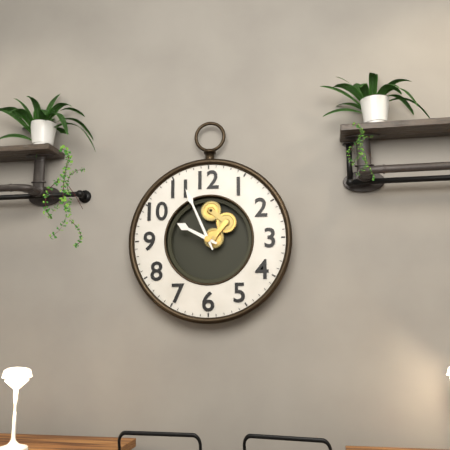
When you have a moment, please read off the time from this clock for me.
9:56
